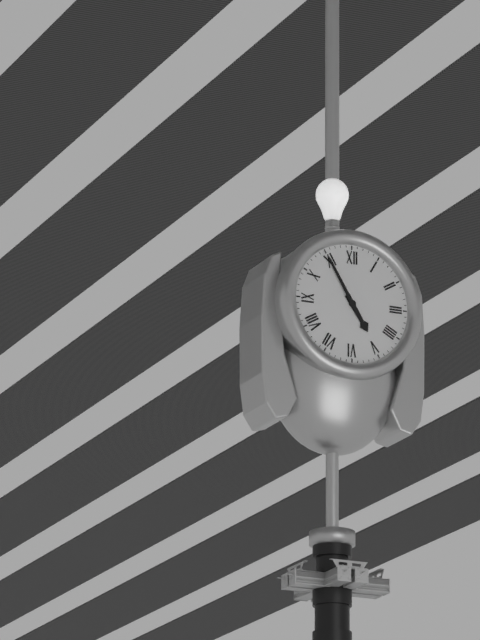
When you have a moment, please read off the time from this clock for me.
4:55
